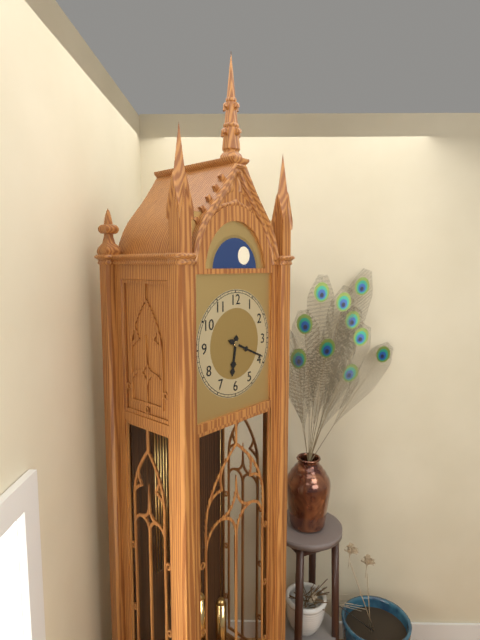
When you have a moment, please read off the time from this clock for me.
6:19
